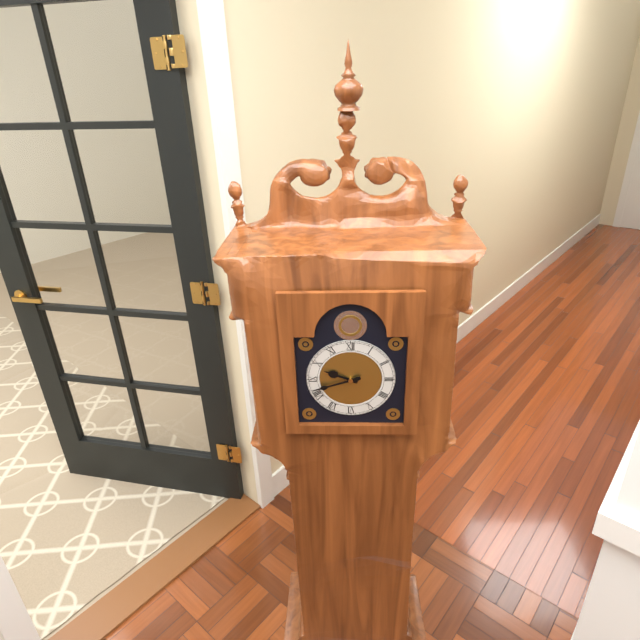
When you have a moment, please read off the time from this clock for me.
9:42
